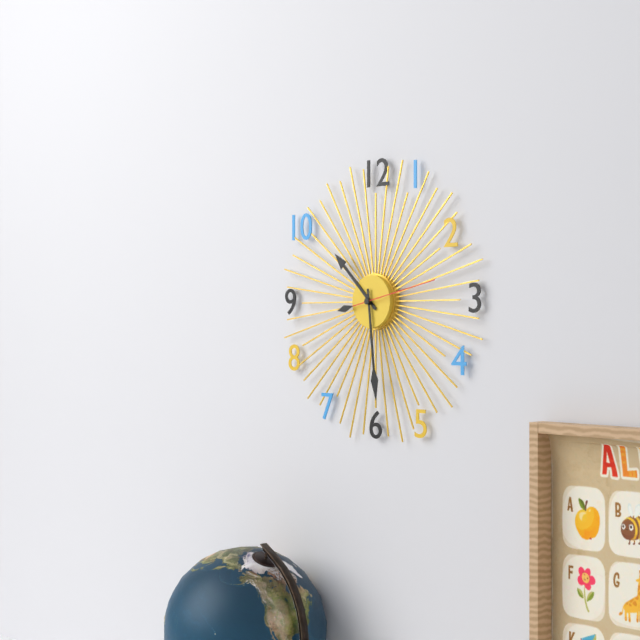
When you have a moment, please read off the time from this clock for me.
10:29:13
